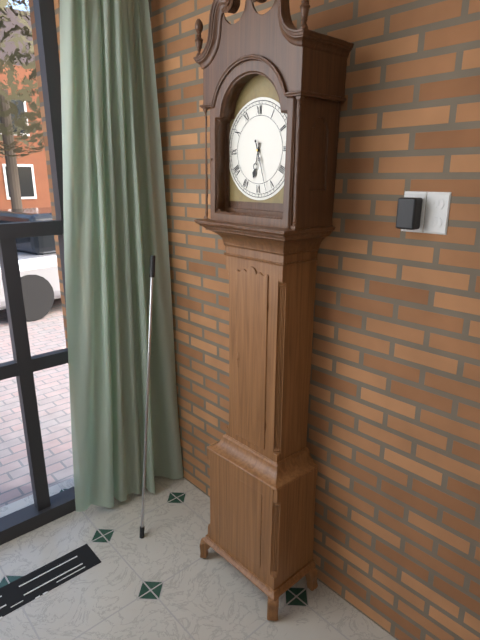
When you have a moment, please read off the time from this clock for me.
6:27
